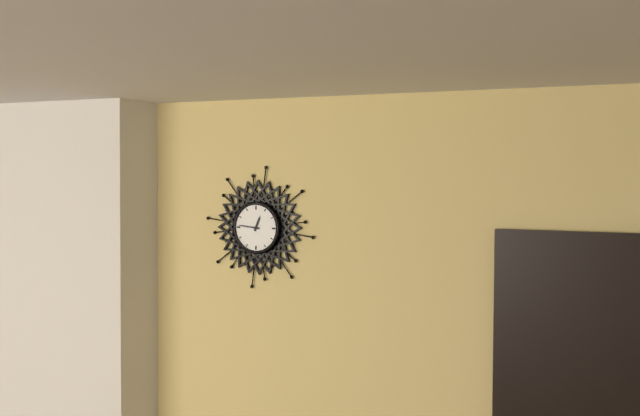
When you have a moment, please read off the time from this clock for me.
12:46
